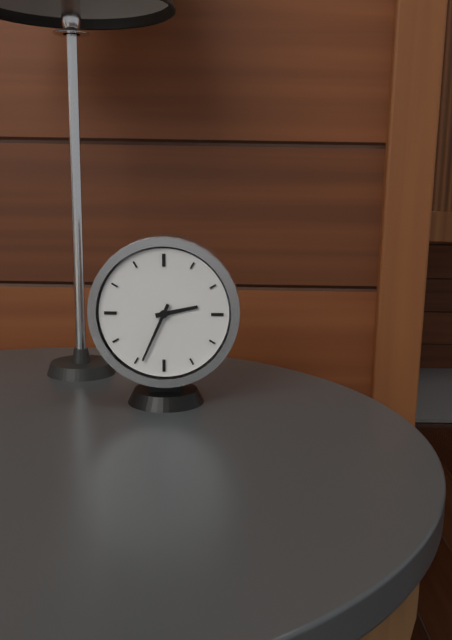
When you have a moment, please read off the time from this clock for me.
2:34
